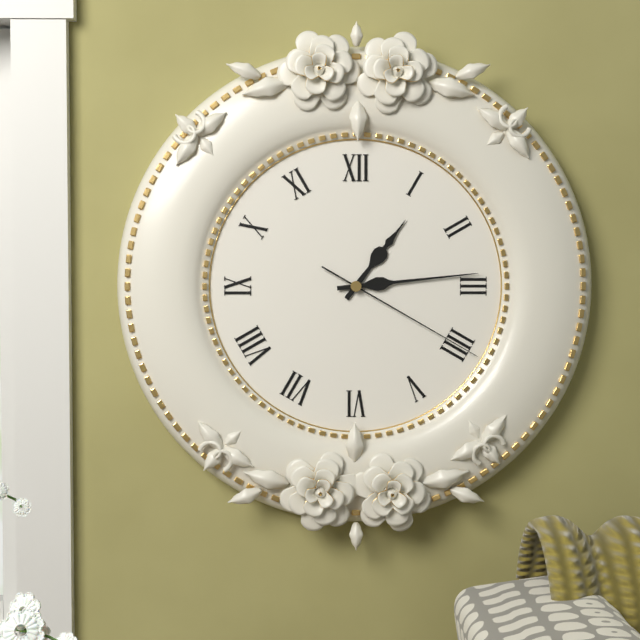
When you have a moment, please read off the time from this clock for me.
1:14:20
